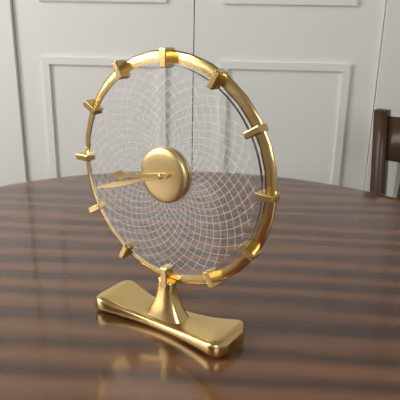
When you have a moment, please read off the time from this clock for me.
8:42
